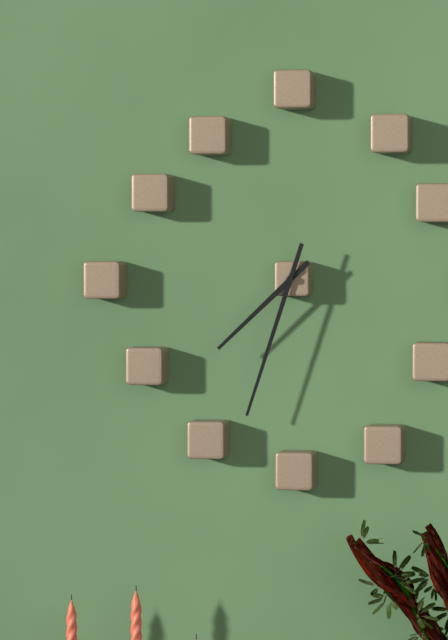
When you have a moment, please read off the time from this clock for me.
7:33
